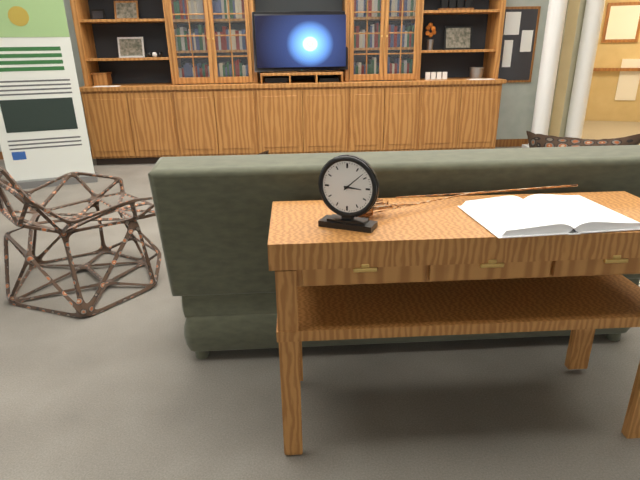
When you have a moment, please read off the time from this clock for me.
3:08
